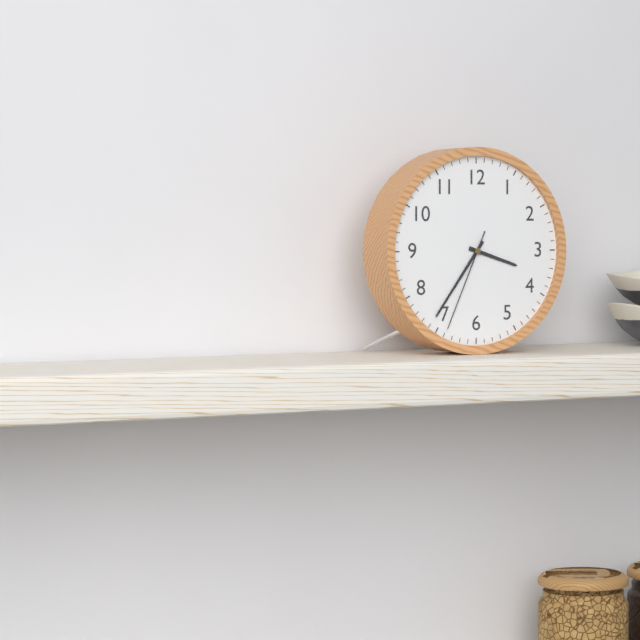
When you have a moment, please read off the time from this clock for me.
3:36:34
